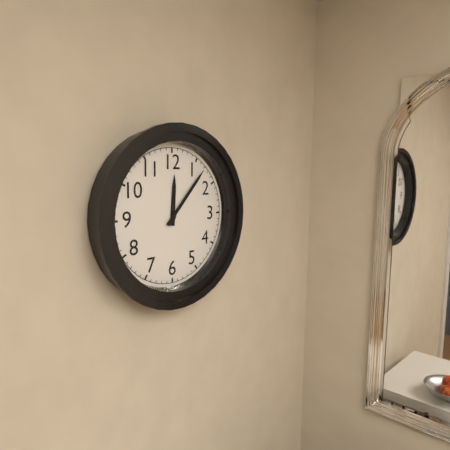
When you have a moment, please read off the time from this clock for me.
12:07
